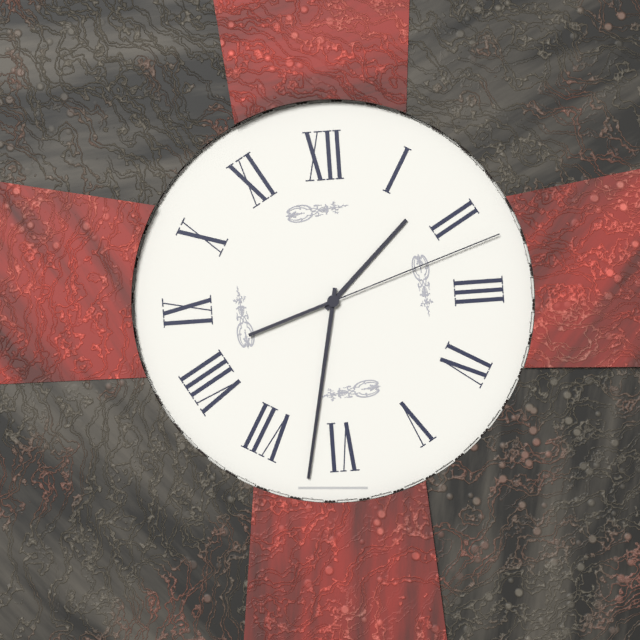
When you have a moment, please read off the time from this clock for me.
1:32:12
